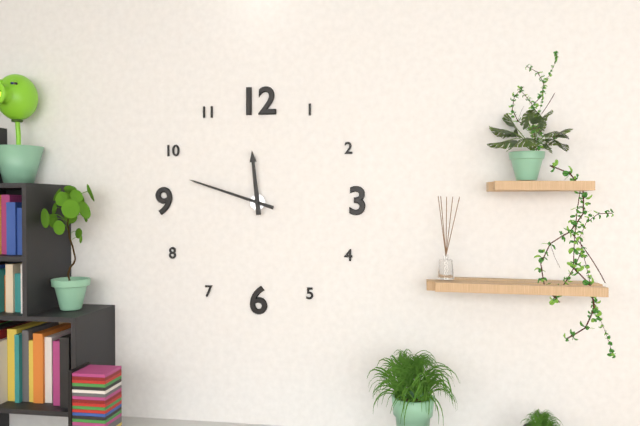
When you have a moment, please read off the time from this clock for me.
11:48
